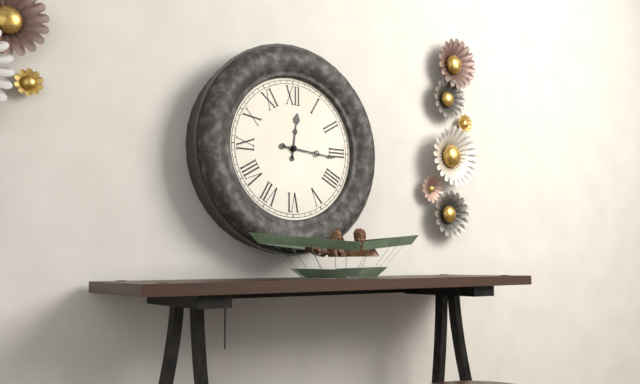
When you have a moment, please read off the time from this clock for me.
12:16
